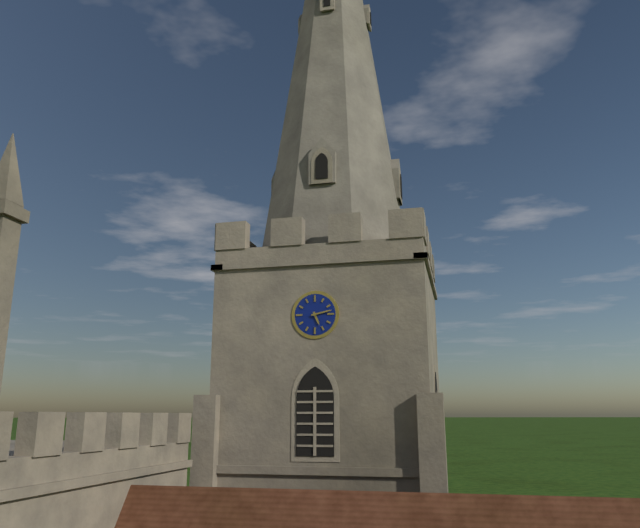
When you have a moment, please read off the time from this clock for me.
5:13
